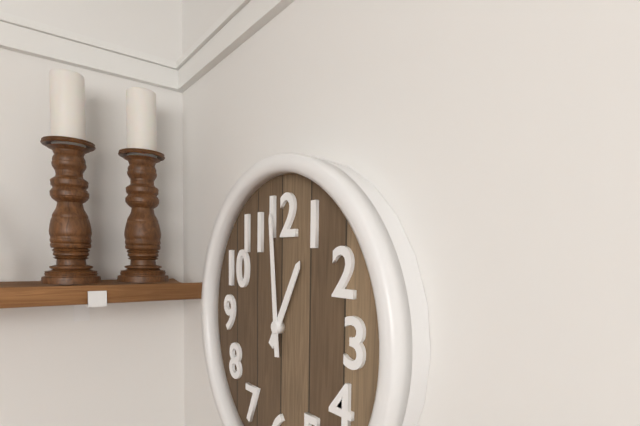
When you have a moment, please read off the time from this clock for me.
12:59
